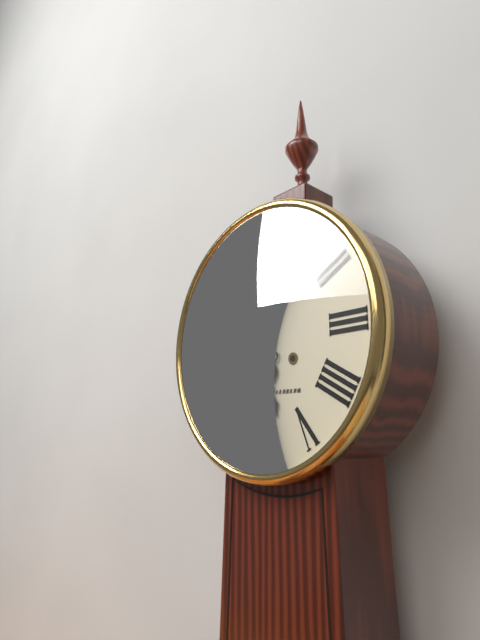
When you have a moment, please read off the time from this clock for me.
5:35
